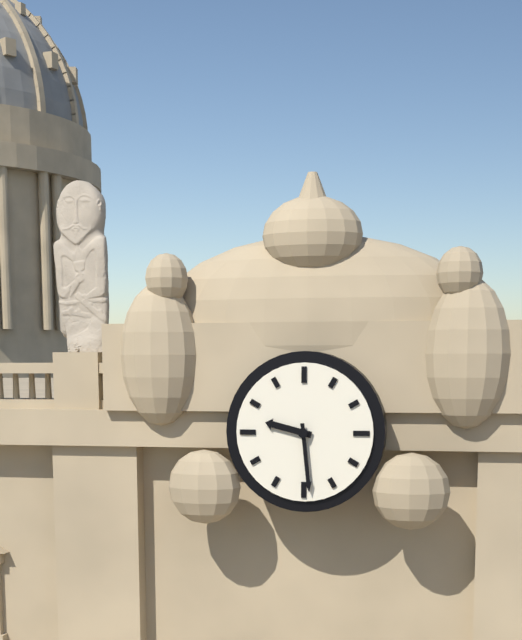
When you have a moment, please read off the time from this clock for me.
9:29
